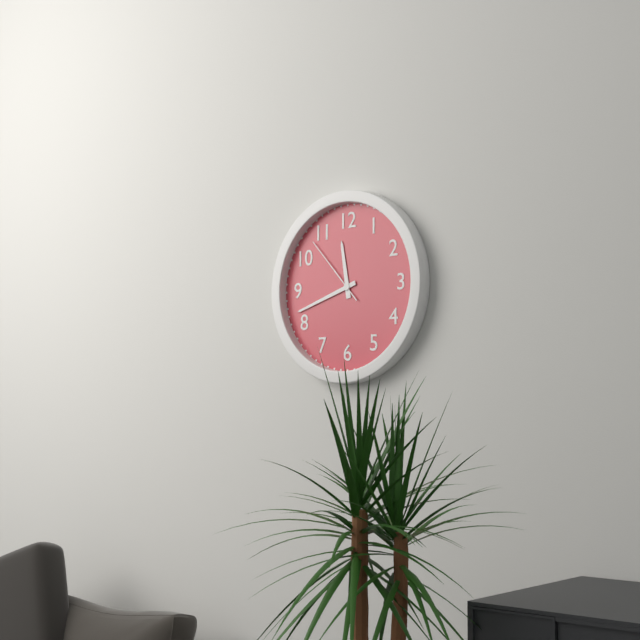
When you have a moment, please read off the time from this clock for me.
11:42:53
